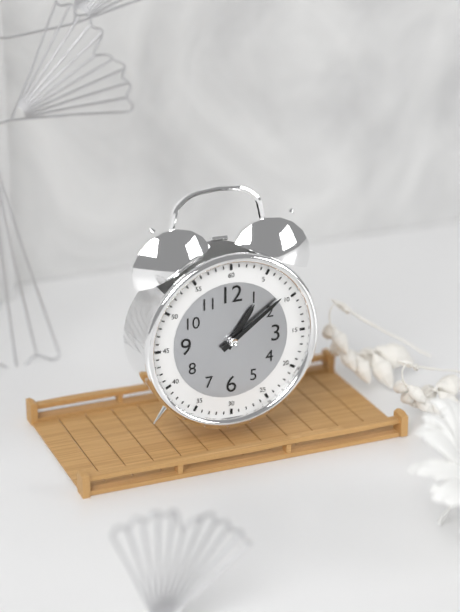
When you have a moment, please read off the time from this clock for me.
1:09
